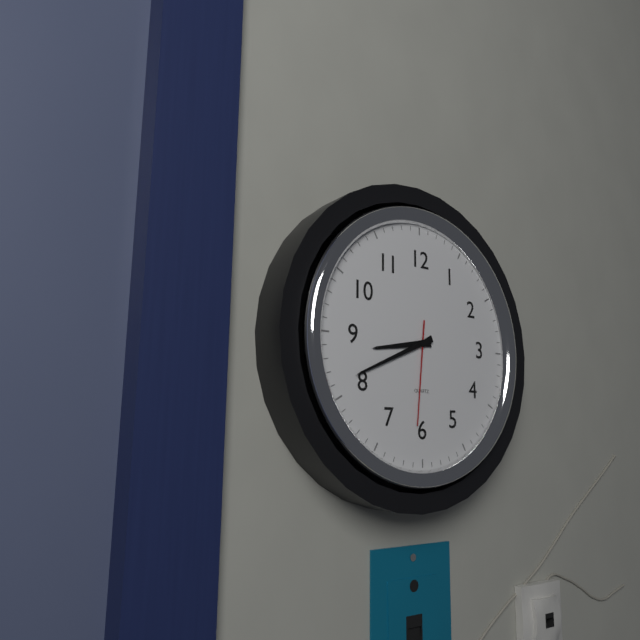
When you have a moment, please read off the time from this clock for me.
8:41:31
